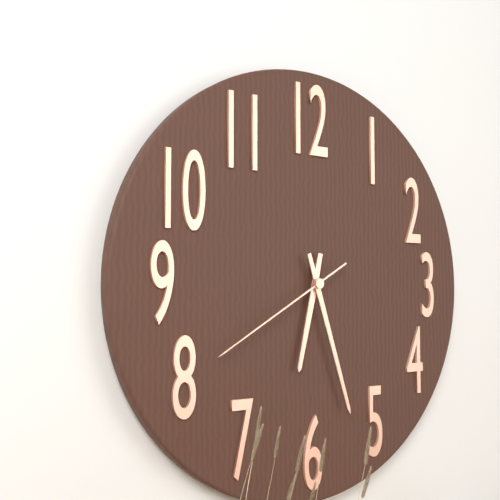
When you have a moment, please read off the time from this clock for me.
6:27:40
